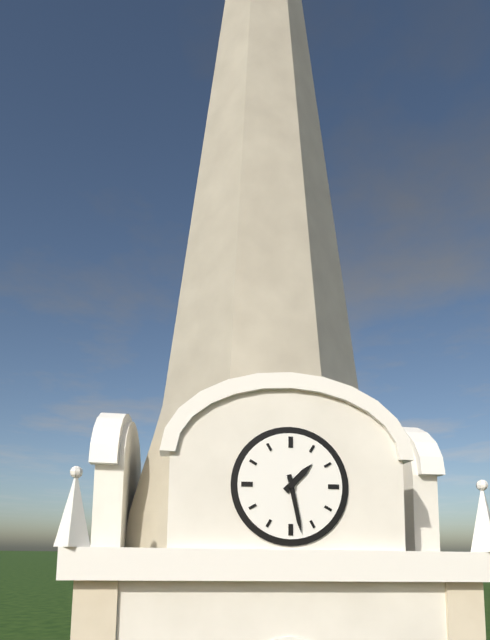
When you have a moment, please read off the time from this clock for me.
1:28
